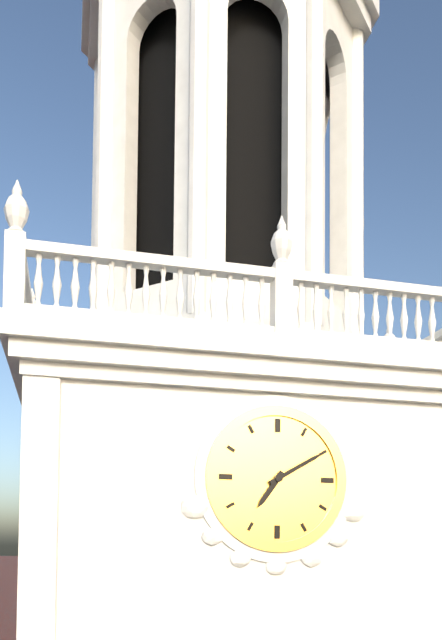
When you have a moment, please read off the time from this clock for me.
7:10
